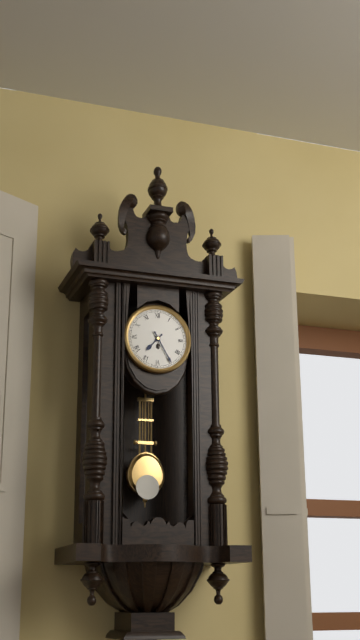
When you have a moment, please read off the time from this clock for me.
7:25
